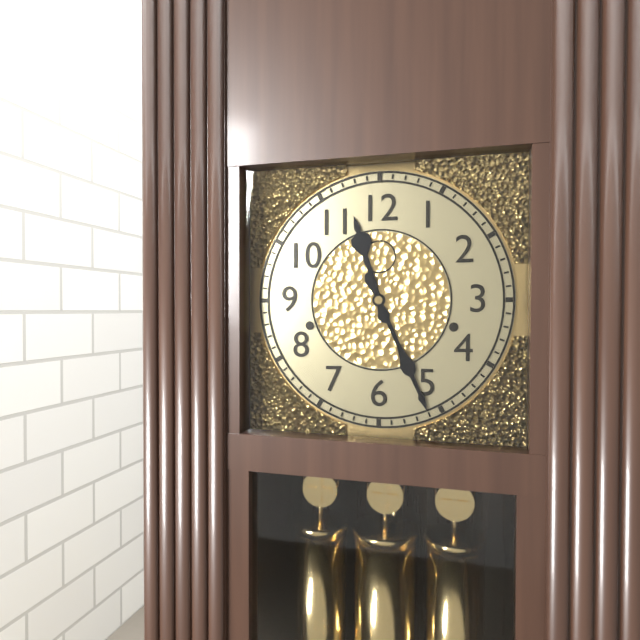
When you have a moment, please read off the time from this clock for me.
11:26
